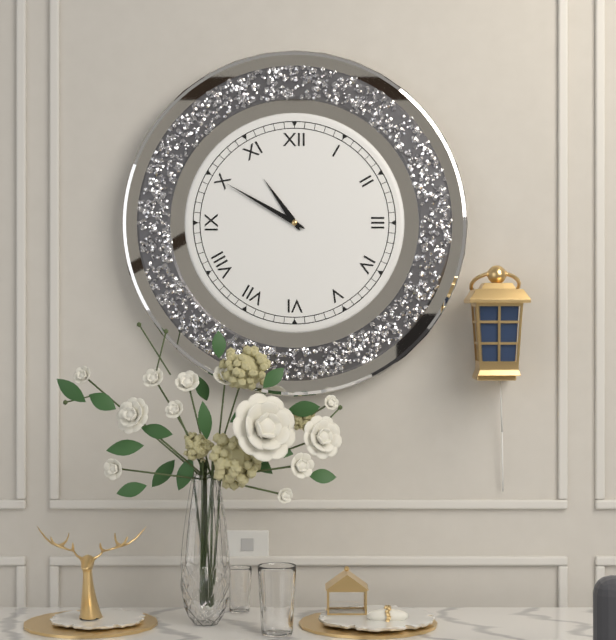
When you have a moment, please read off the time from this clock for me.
10:50
